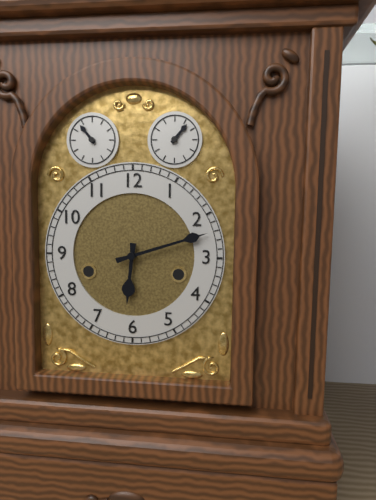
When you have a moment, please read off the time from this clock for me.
6:12
